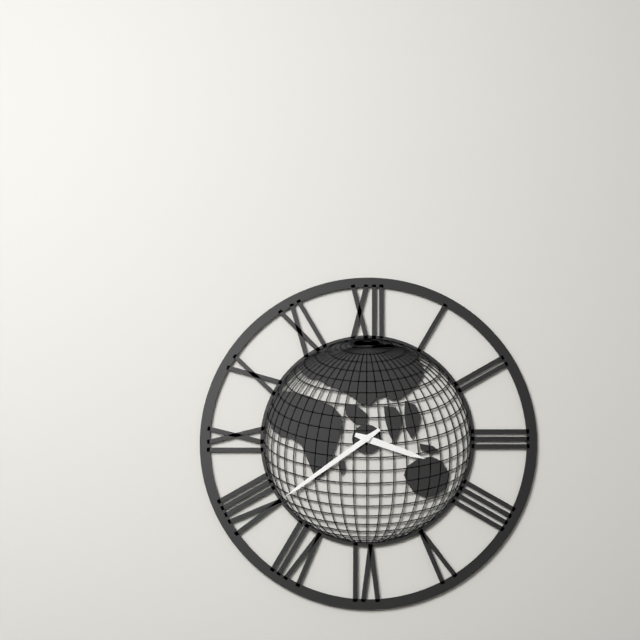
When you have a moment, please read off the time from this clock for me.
3:39
